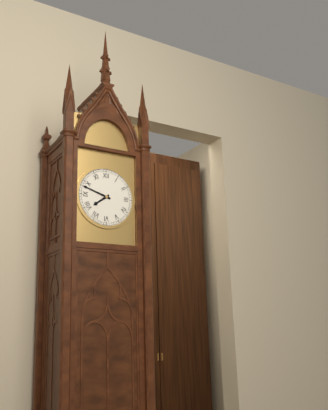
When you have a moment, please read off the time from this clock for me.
7:48
